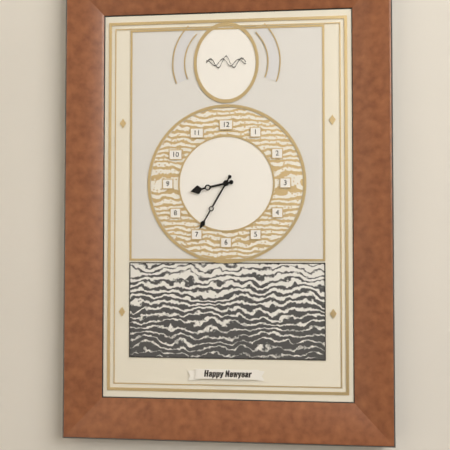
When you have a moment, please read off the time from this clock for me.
8:35
